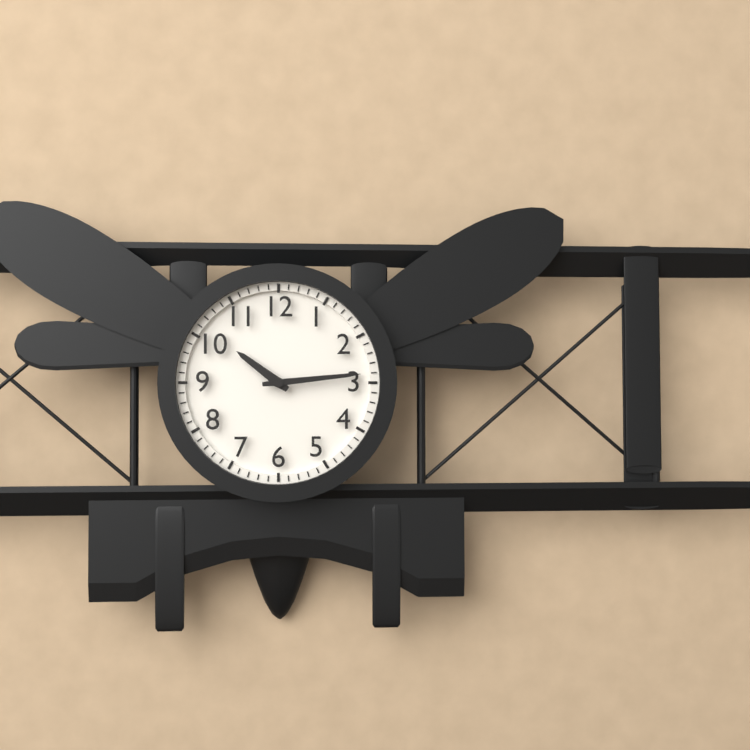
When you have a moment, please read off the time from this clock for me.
10:14
